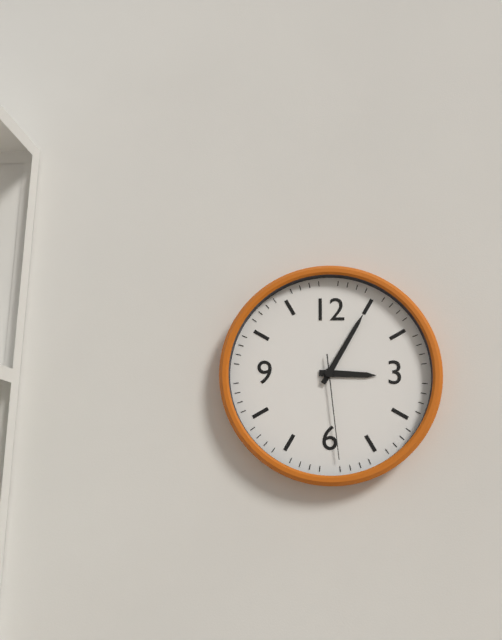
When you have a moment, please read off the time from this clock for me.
3:05:29
